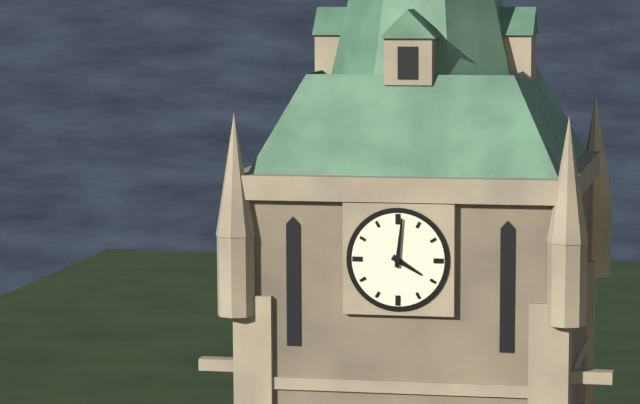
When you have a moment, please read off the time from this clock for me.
4:01
